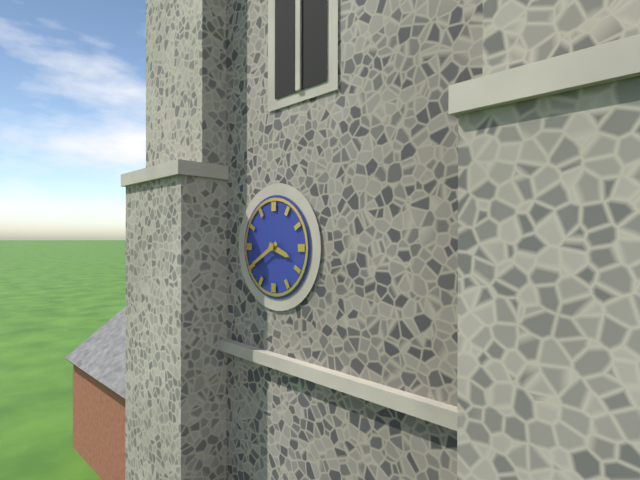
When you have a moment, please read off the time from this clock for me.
3:40
